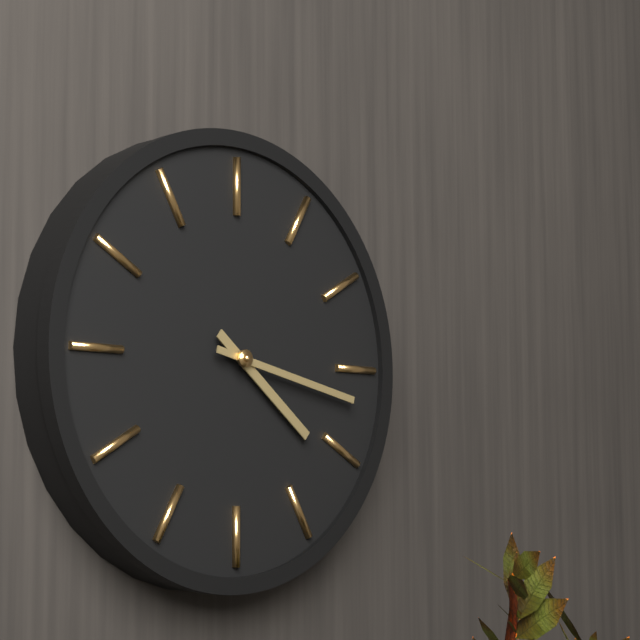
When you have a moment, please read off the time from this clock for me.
4:17
